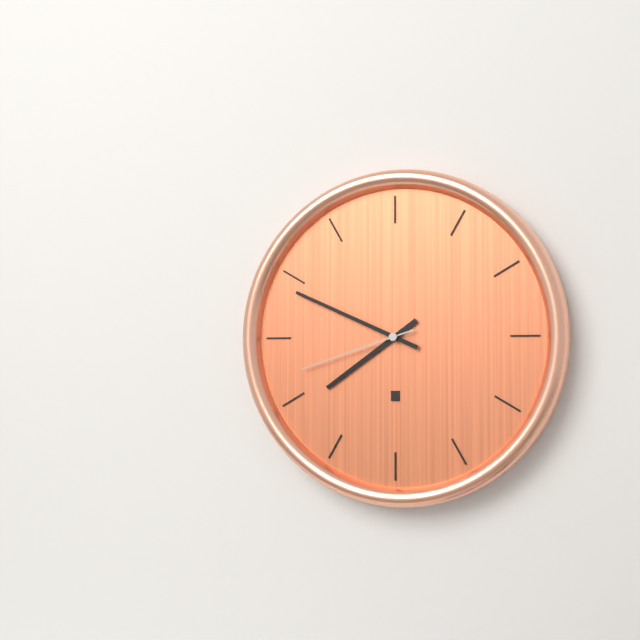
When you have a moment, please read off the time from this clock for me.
7:49:42
